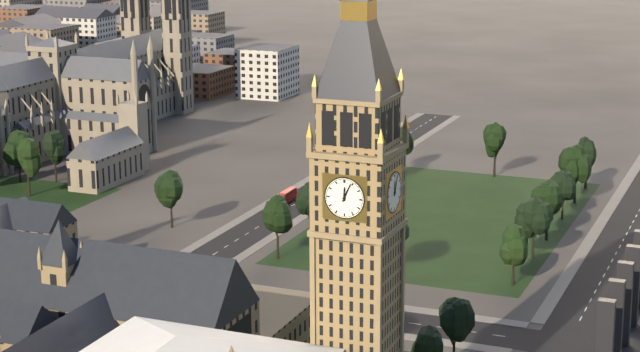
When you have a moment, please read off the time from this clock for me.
12:04
